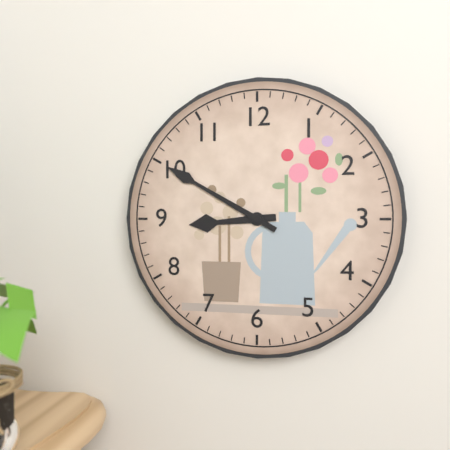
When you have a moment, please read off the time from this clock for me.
8:50
